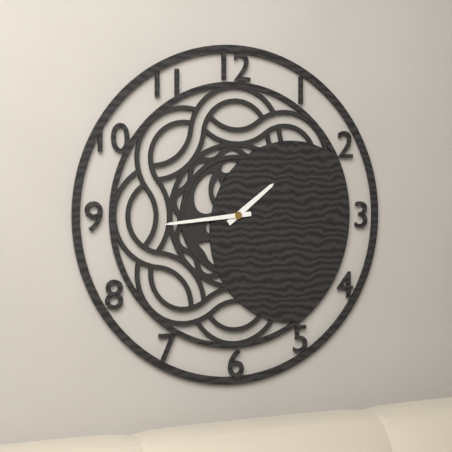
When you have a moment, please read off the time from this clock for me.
1:44
